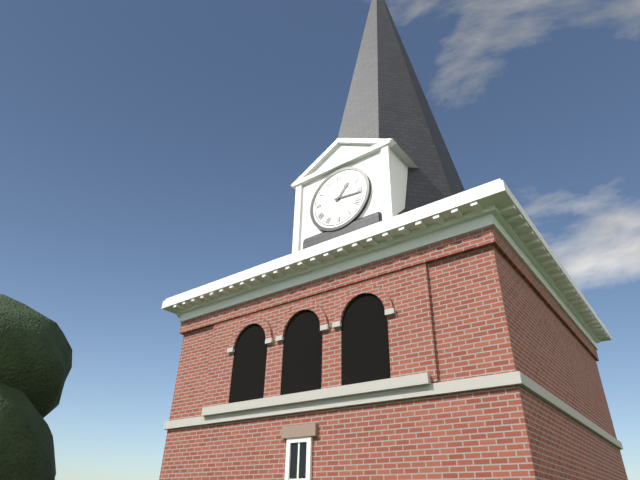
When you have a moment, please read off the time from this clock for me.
1:16
